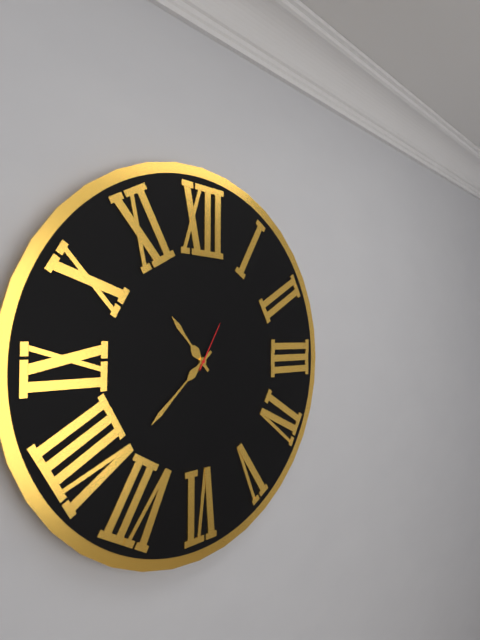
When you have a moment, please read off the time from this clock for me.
10:38:05
